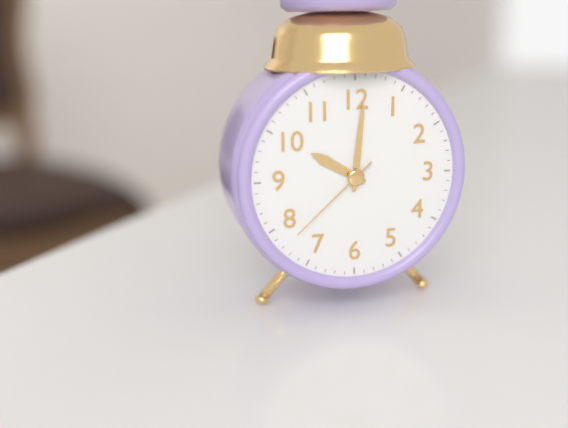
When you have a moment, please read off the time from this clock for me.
10:01:38
